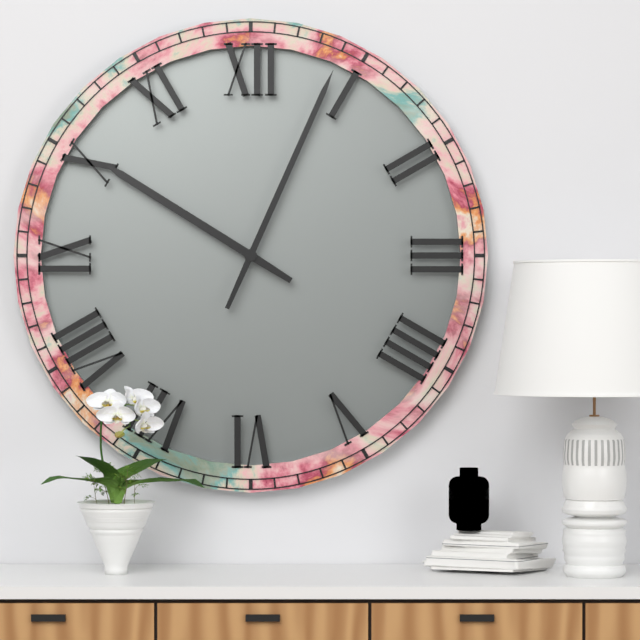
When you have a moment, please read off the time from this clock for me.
10:04
